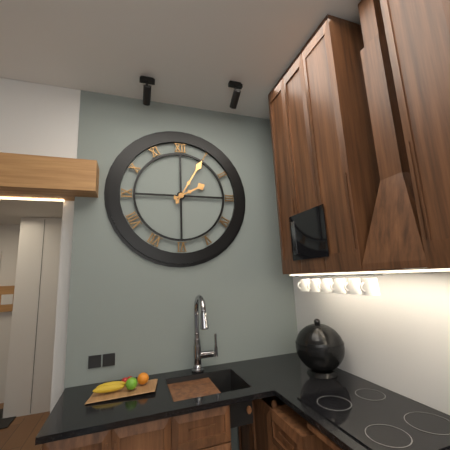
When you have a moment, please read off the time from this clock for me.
2:05
